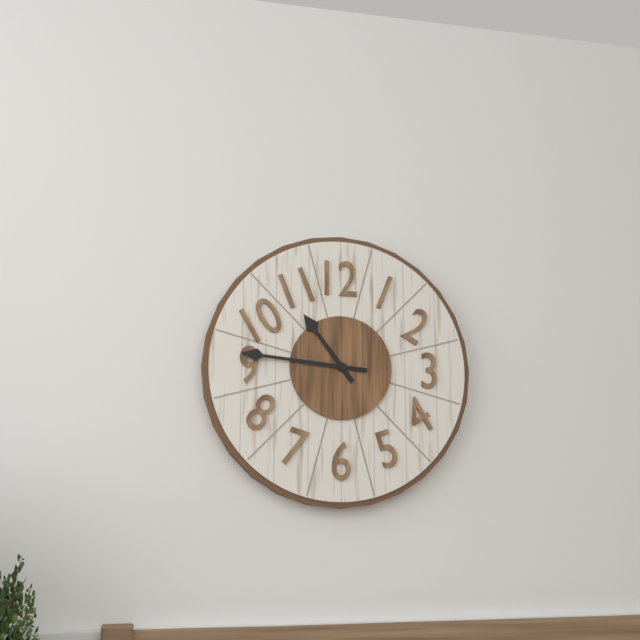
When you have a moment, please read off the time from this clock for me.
10:46
